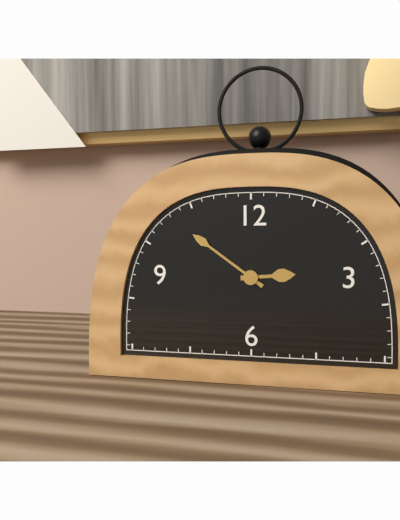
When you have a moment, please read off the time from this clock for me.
2:51
